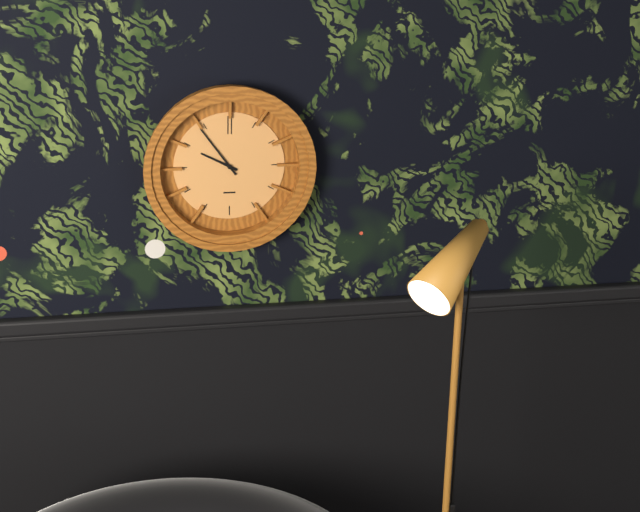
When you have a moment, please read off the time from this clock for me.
9:54
